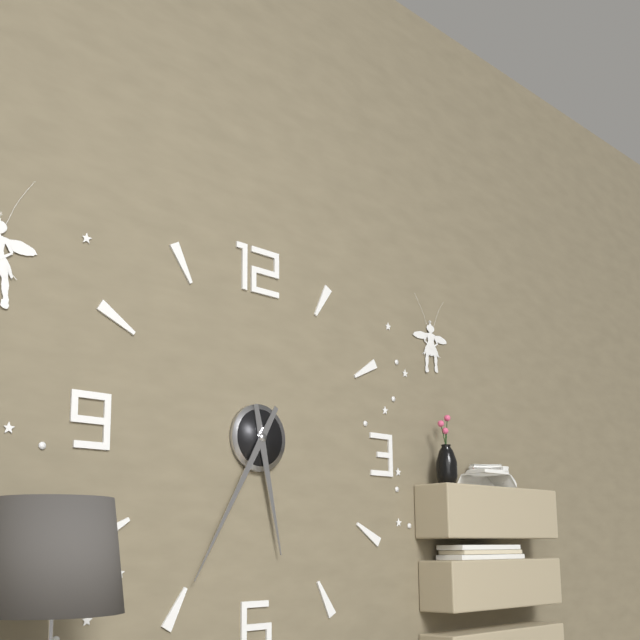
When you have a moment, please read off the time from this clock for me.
5:35
